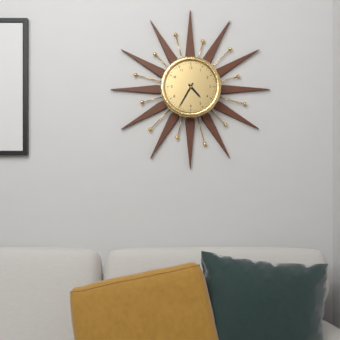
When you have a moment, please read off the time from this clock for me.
4:35
